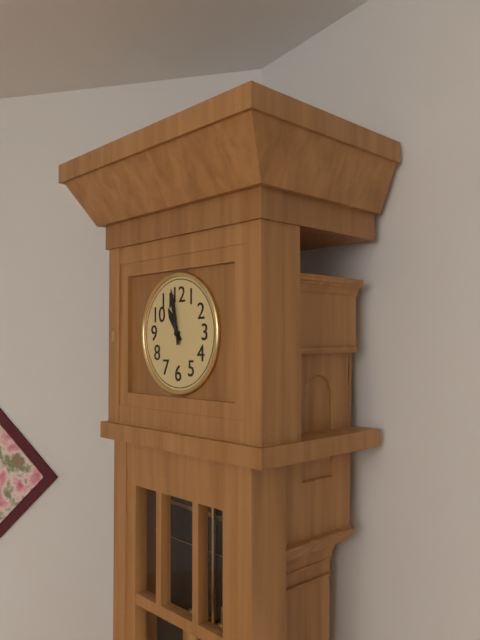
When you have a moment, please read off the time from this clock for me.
10:58
